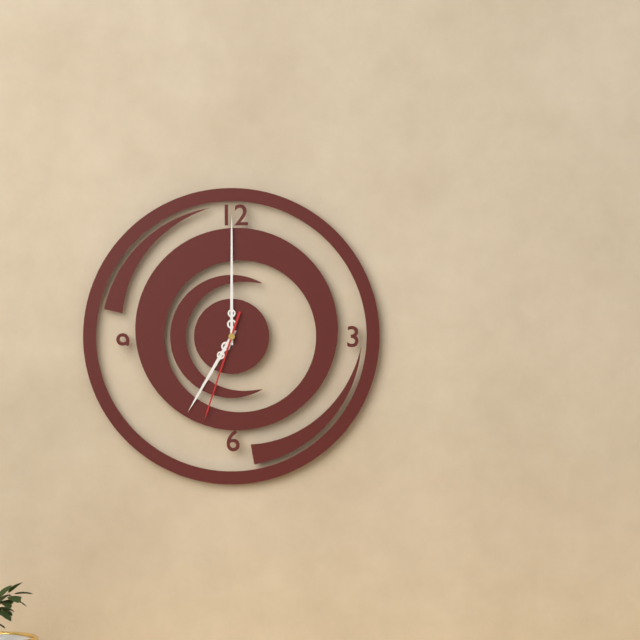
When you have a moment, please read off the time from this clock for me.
7:00:33
